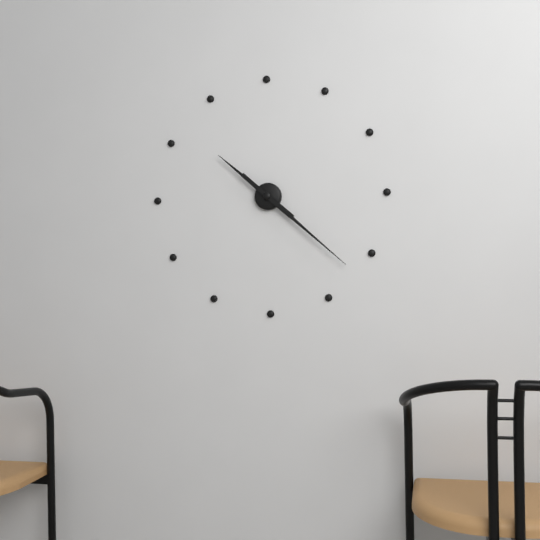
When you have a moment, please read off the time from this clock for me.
10:22
